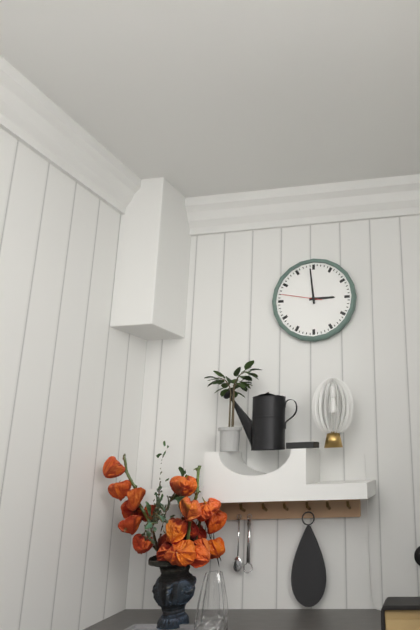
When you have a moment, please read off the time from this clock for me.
2:59
